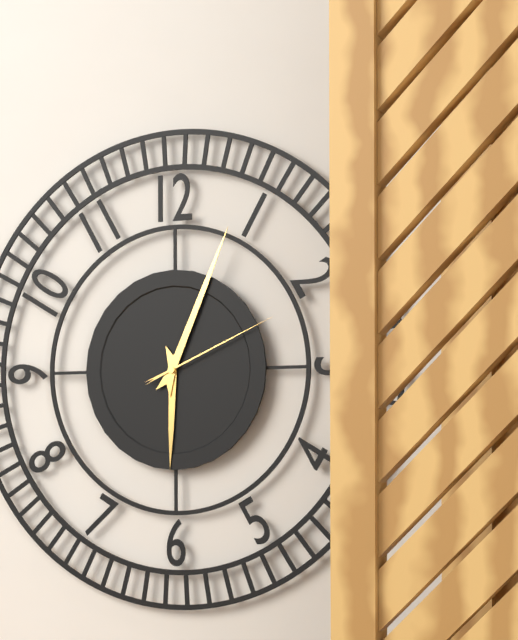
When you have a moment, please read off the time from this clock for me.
6:04:11
